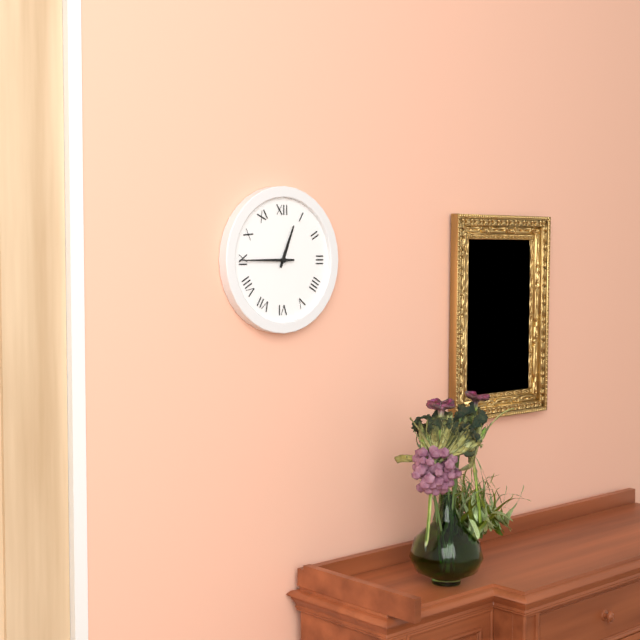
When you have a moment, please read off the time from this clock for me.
12:45
